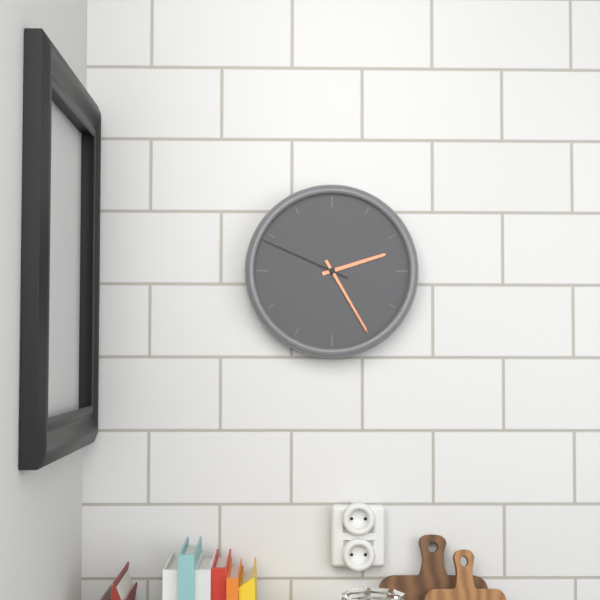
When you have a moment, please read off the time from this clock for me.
2:25:49
